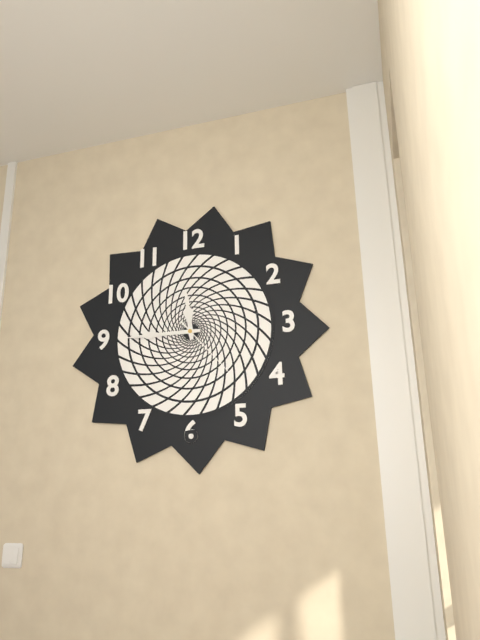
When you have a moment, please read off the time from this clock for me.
11:45:23
